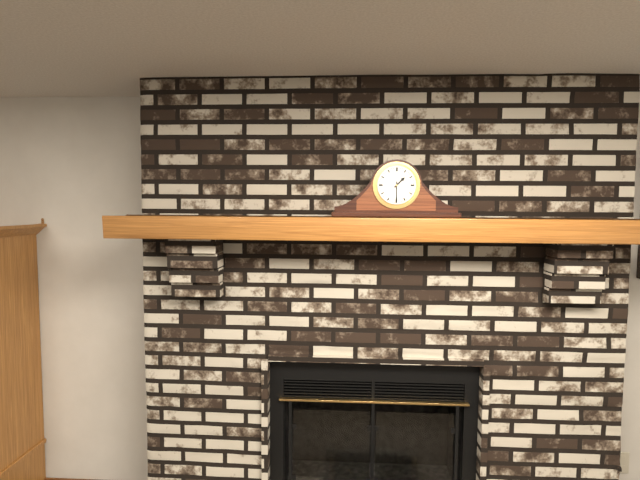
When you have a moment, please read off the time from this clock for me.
1:30
